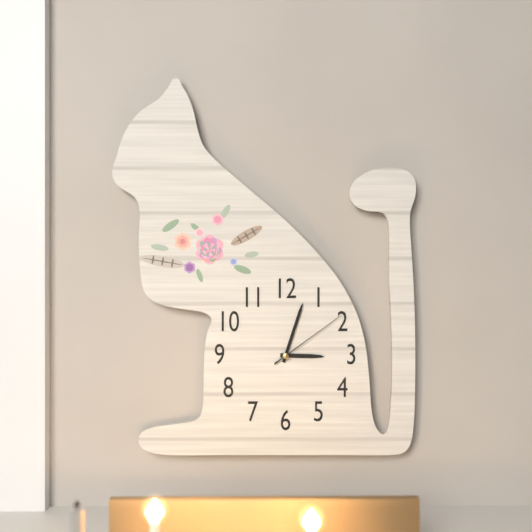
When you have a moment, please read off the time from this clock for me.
3:03:09
